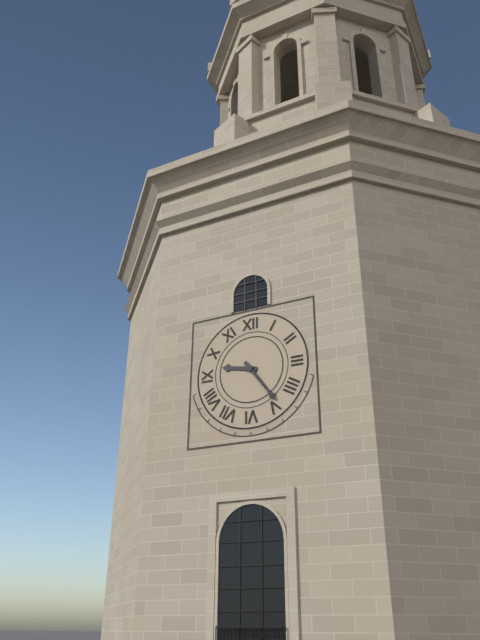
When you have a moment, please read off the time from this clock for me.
9:24
